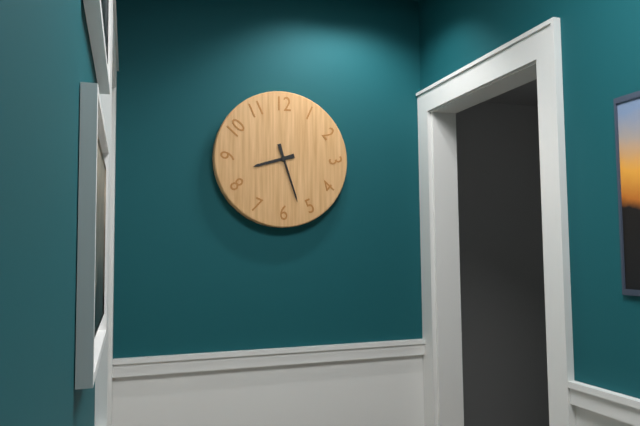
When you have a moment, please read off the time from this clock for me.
8:27
